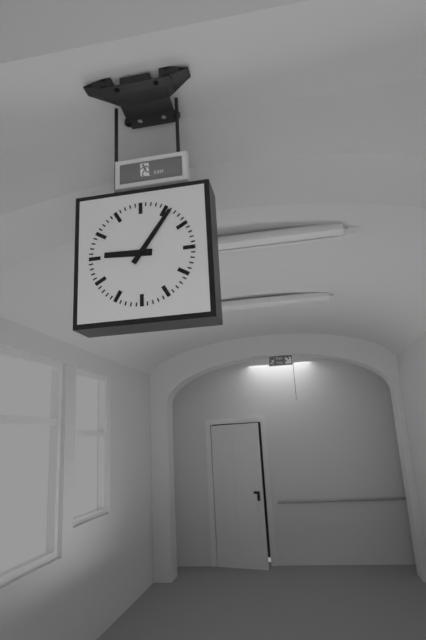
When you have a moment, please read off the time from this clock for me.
9:06
